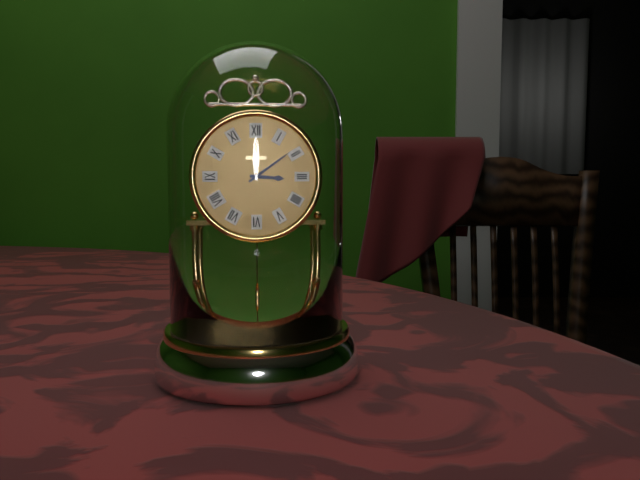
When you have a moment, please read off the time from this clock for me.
3:09
